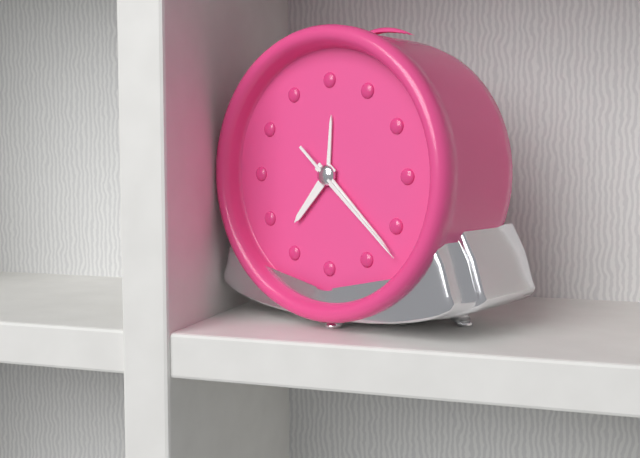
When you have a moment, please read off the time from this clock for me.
7:22:22
